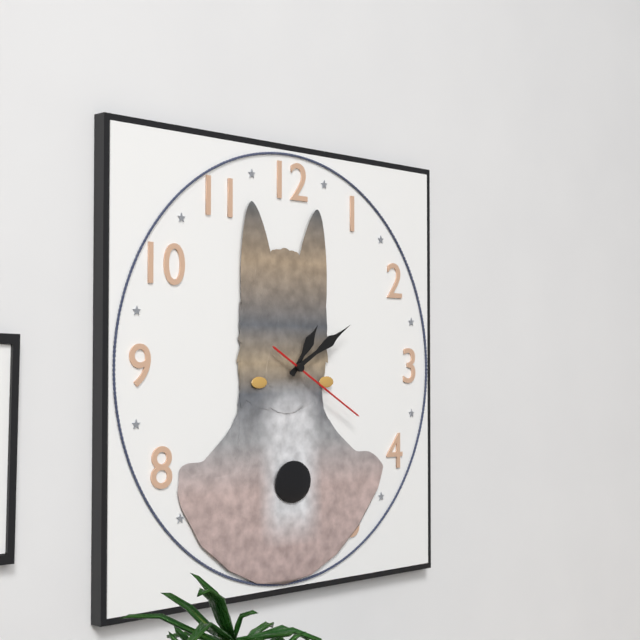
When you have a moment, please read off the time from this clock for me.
1:10:20
